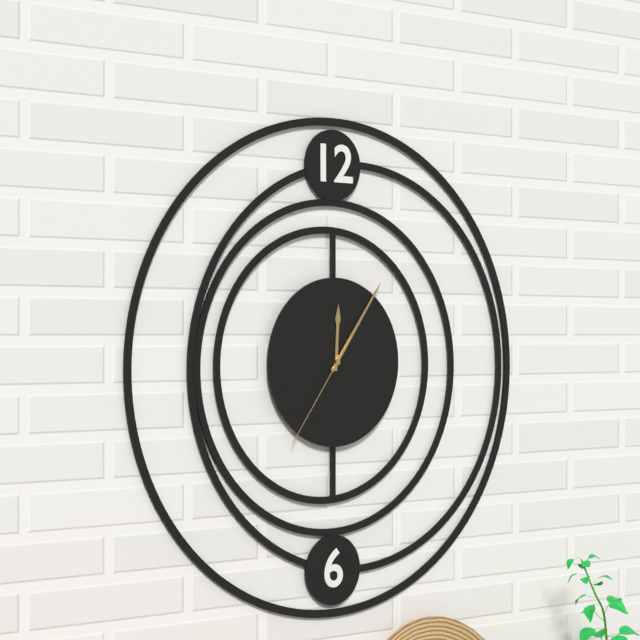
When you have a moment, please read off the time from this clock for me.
12:06:36
